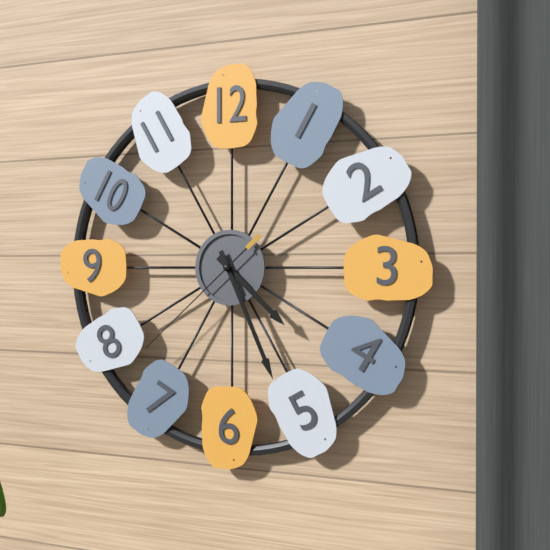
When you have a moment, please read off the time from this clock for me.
4:26:38
